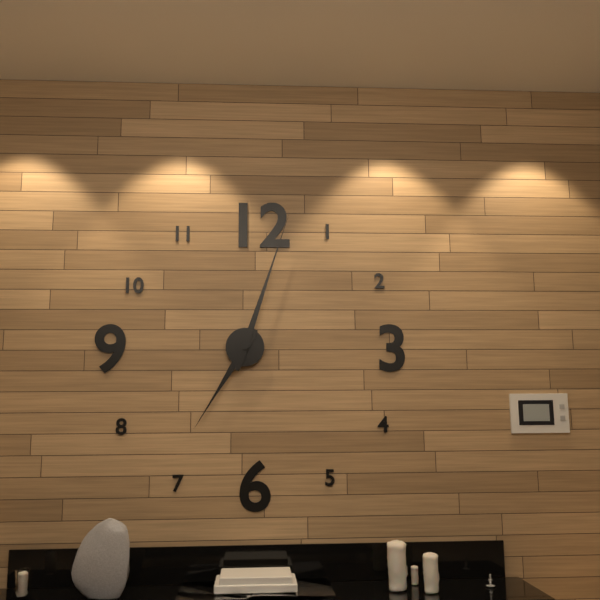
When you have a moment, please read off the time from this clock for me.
7:03
